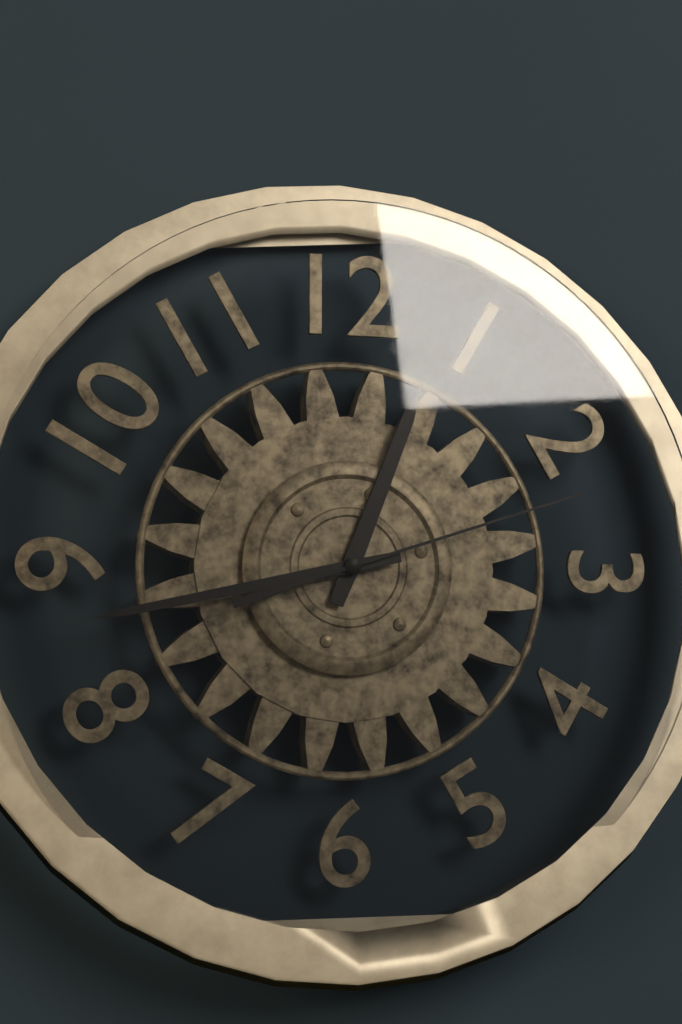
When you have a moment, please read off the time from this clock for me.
12:43:12
